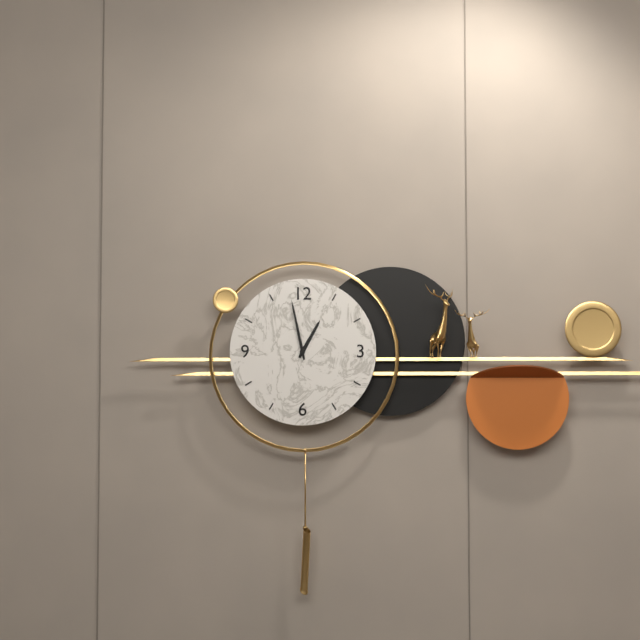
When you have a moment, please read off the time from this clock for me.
12:58
